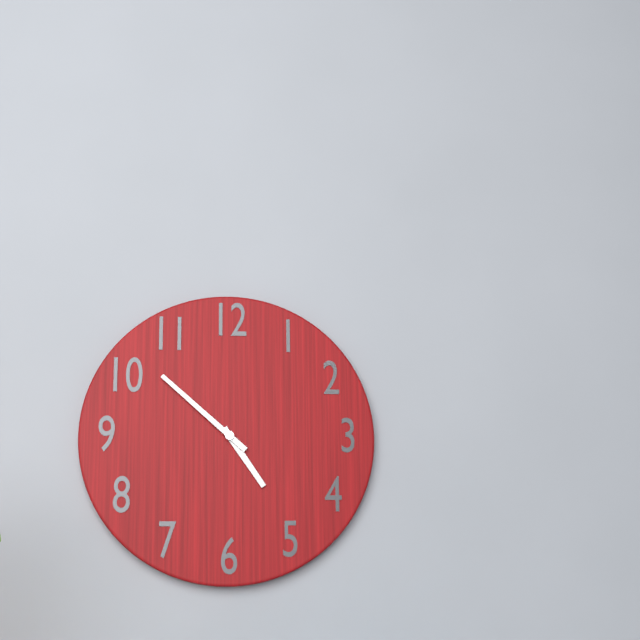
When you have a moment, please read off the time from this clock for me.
4:52
